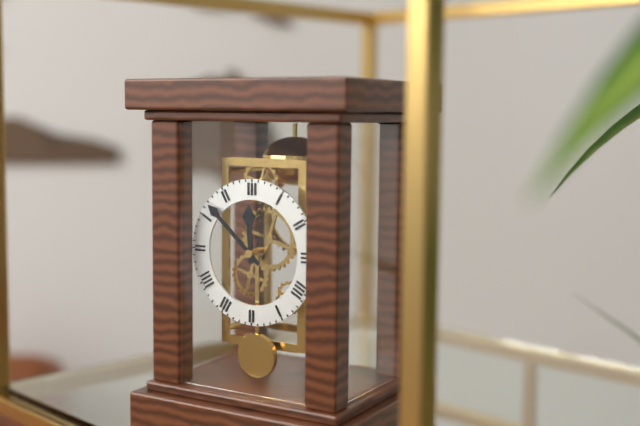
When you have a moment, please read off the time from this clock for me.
11:52
